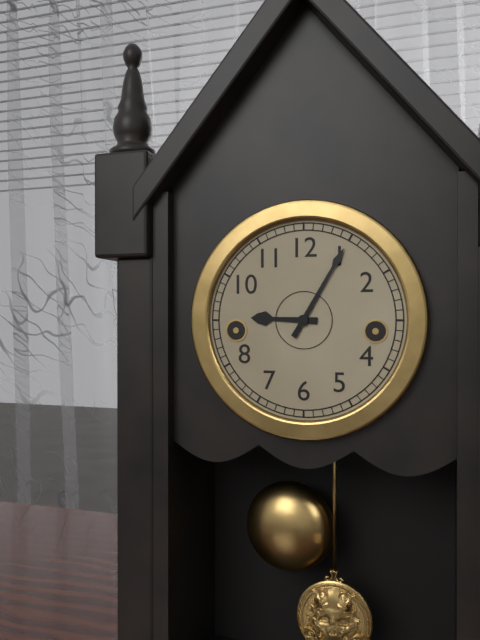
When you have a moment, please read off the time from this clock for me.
9:05
